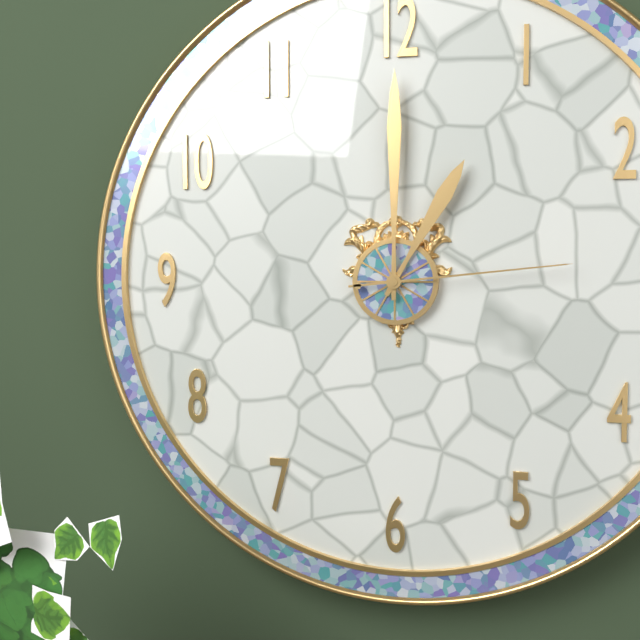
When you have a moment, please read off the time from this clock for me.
1:00:14
